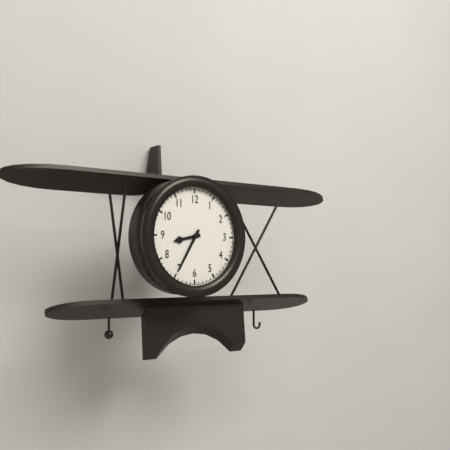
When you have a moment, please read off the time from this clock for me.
8:35
